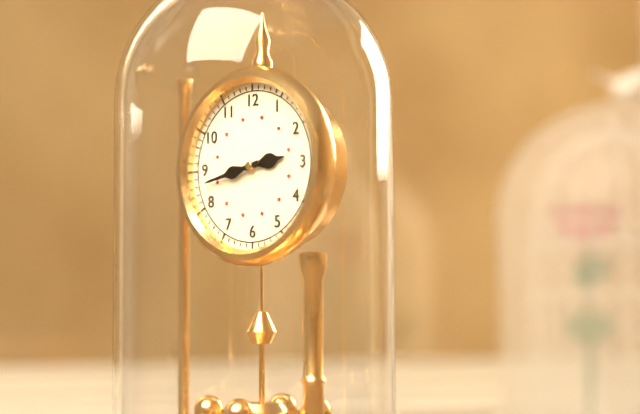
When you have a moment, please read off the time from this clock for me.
2:43
